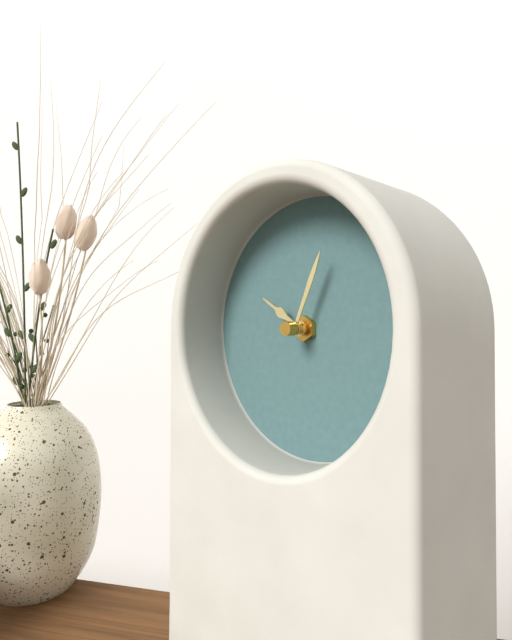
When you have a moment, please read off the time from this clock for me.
10:04
